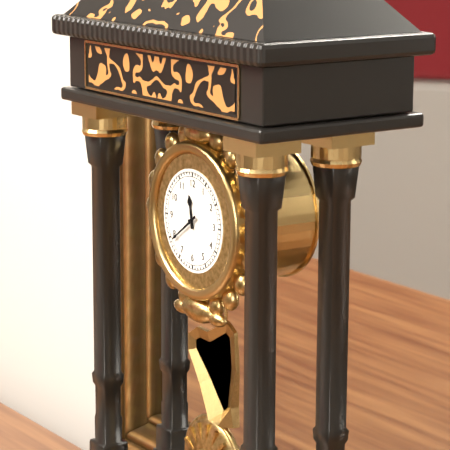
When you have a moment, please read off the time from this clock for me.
11:39
